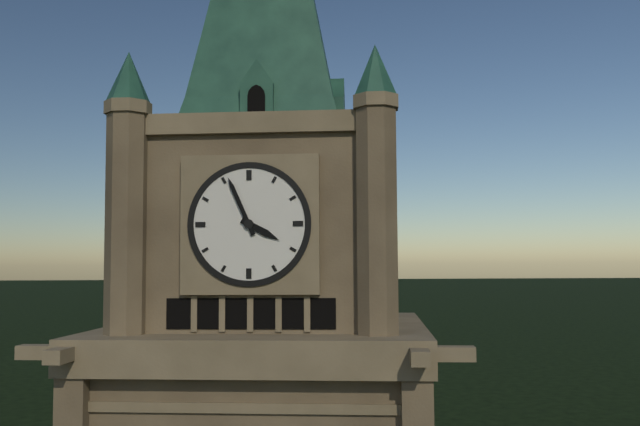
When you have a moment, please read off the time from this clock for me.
3:56
